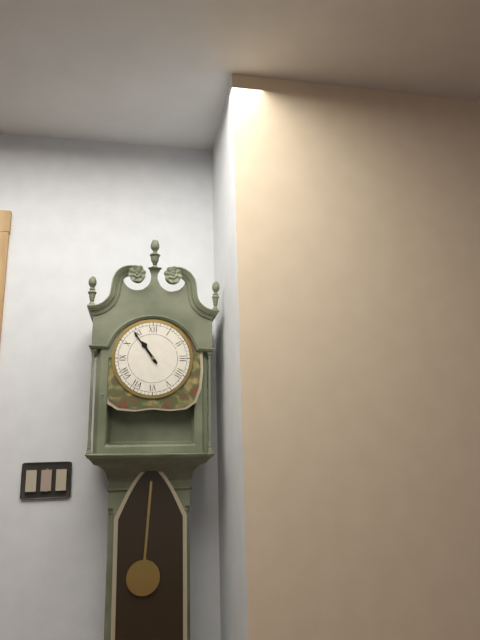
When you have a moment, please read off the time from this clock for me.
10:54
